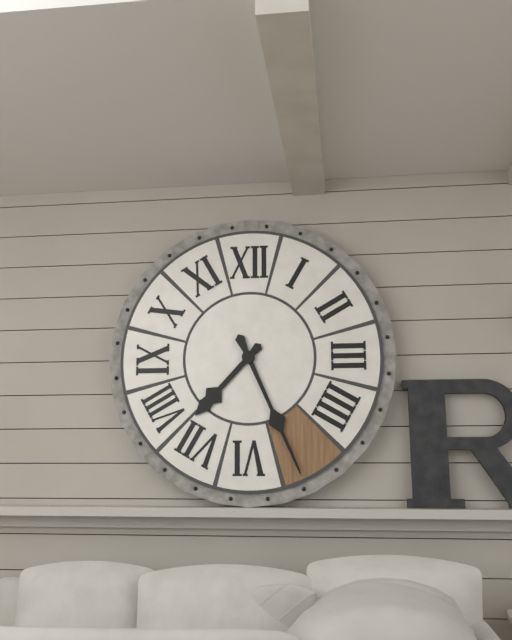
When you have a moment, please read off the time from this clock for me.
7:26
